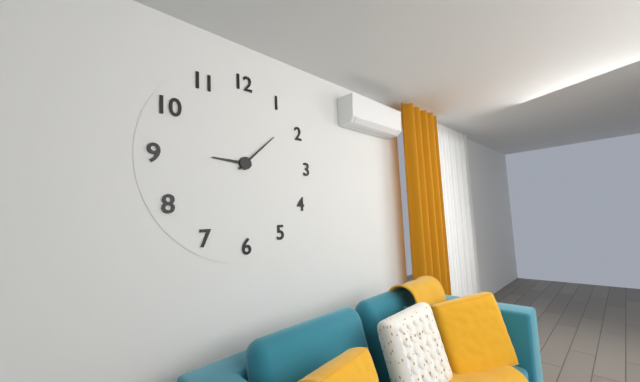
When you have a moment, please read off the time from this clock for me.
9:08
